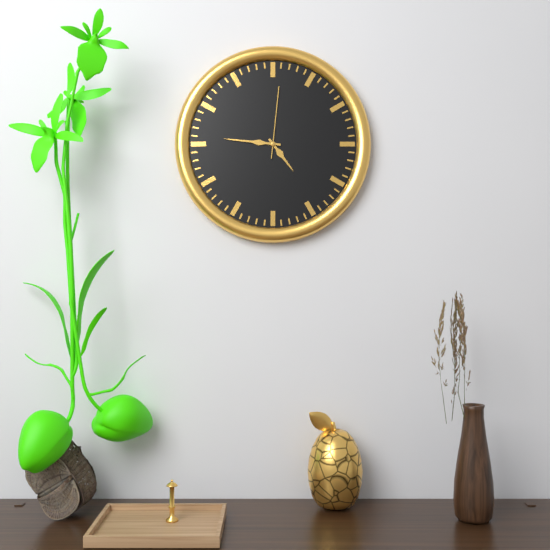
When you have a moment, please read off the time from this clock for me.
4:46:01
